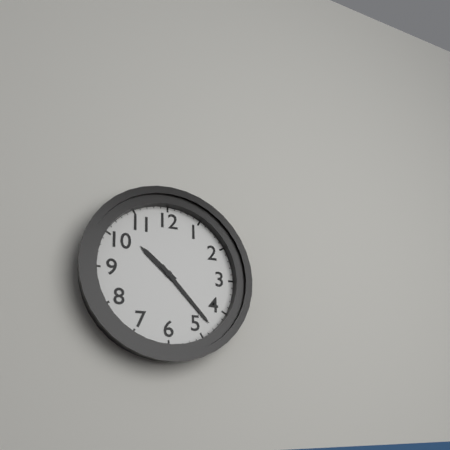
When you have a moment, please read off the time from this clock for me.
10:23
